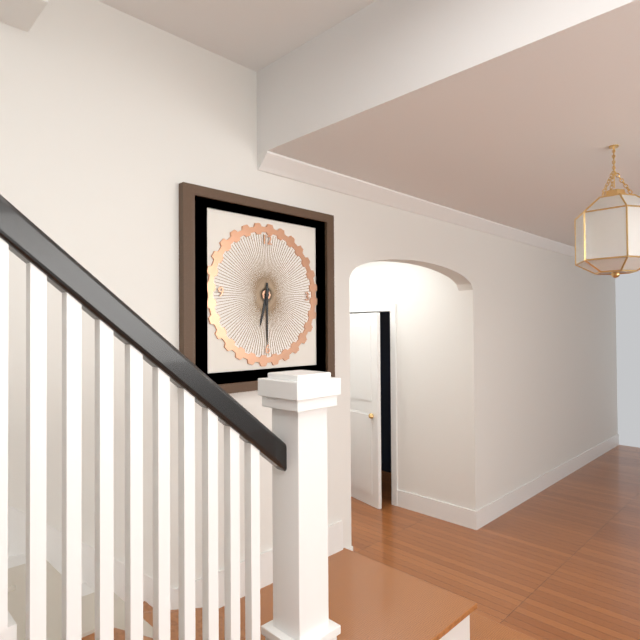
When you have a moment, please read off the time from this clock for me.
6:30
